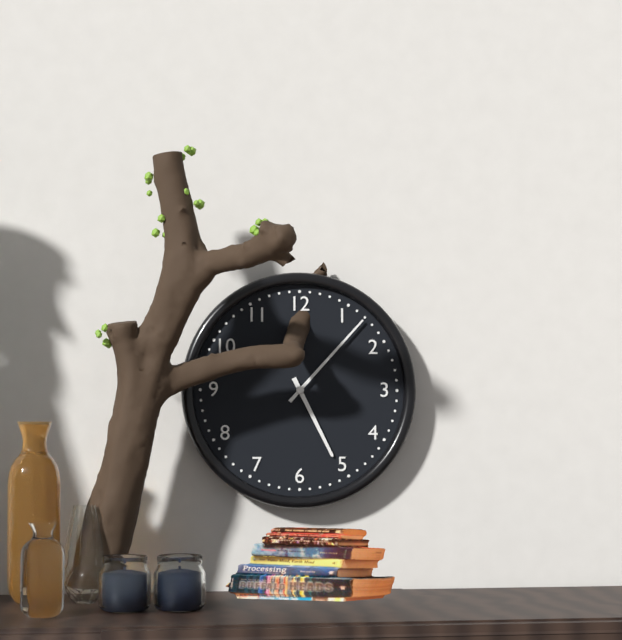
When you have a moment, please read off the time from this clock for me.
5:07
